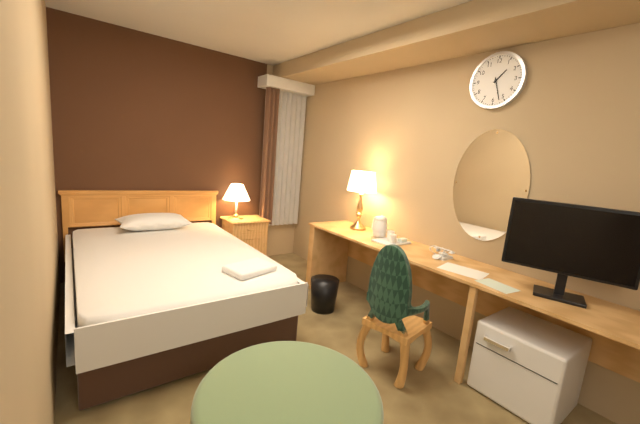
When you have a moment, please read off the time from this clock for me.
1:27
